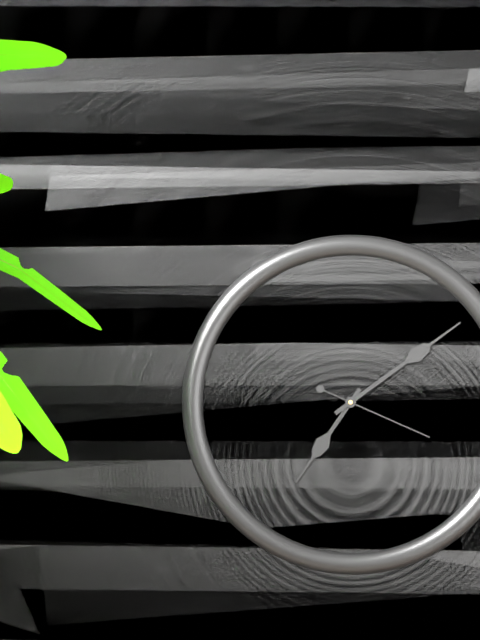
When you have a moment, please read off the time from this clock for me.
7:09:19
